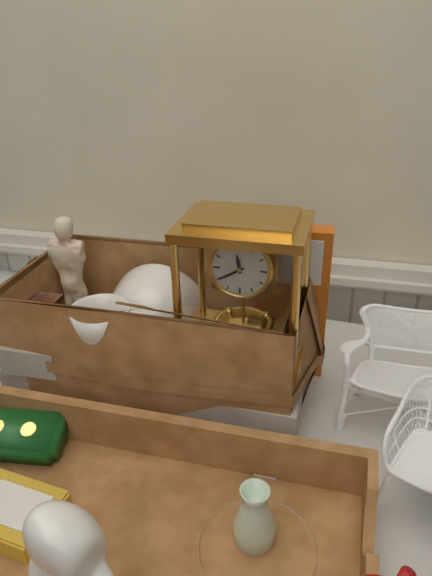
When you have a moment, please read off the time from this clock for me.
11:40
